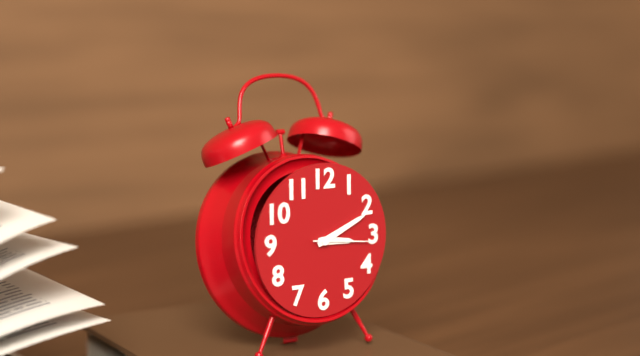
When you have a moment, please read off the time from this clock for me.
3:11:16
